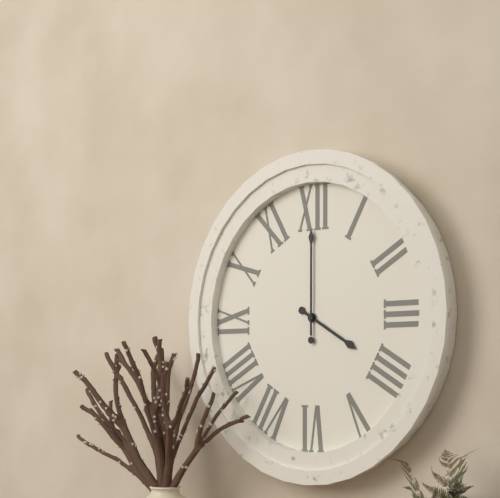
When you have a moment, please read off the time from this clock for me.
4:00
